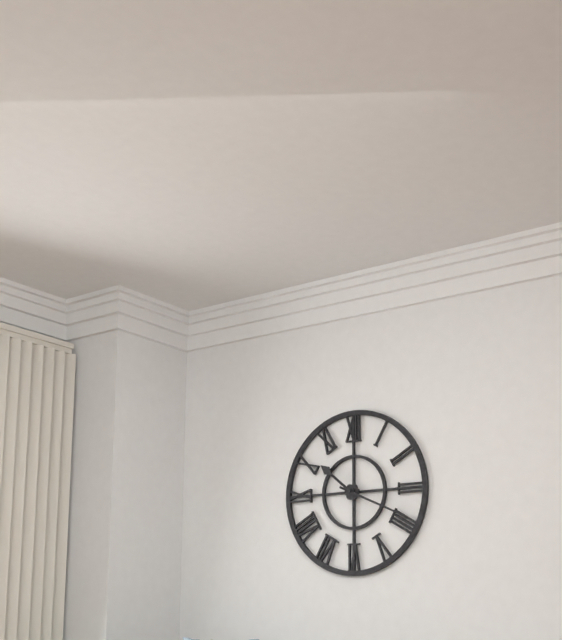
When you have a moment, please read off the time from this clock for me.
10:19
